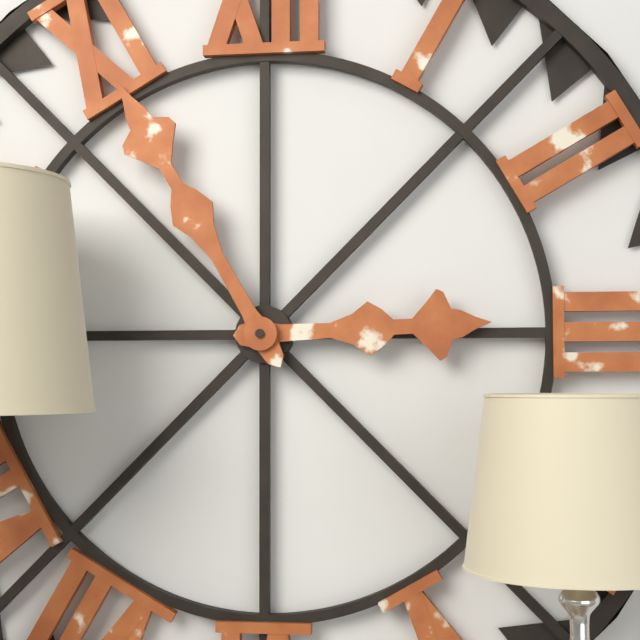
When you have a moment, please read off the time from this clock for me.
2:55
